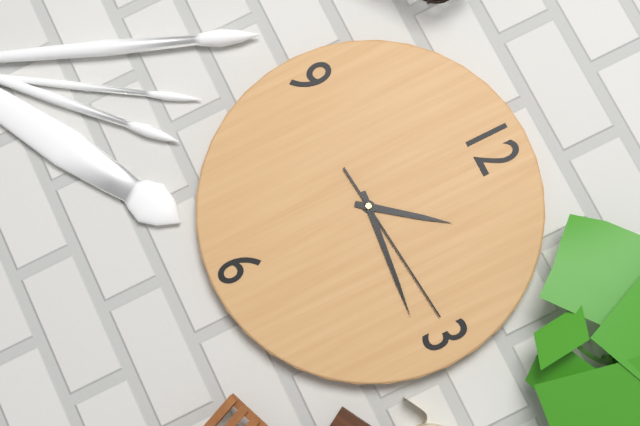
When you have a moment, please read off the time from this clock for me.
1:16:14
